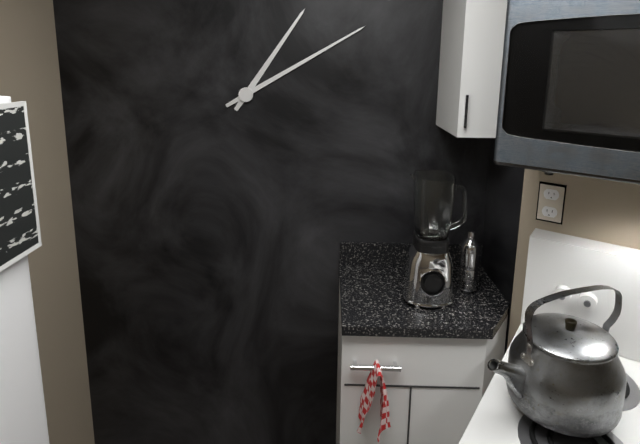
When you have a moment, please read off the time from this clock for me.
1:10
